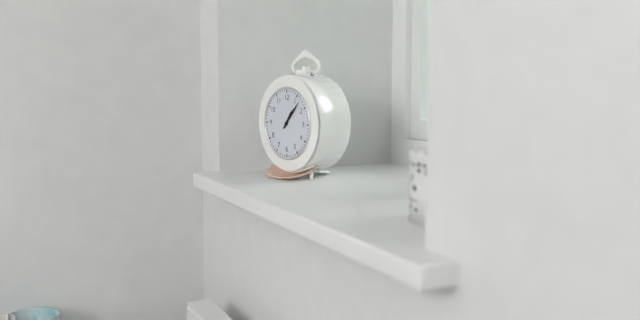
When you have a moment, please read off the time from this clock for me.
1:07
